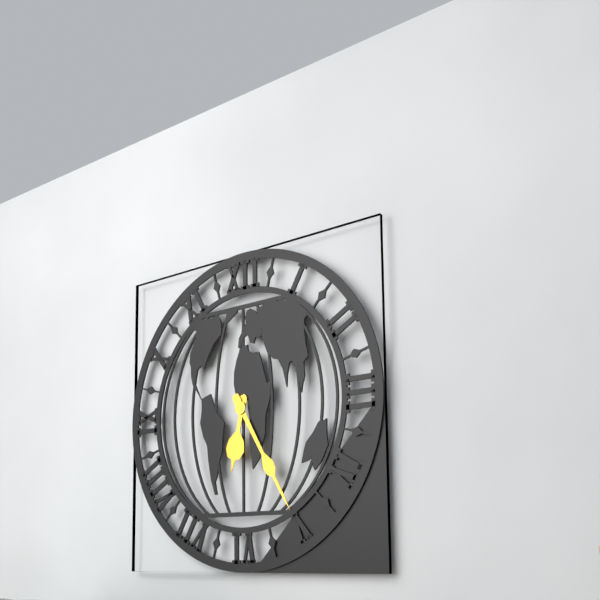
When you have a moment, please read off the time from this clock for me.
6:25
